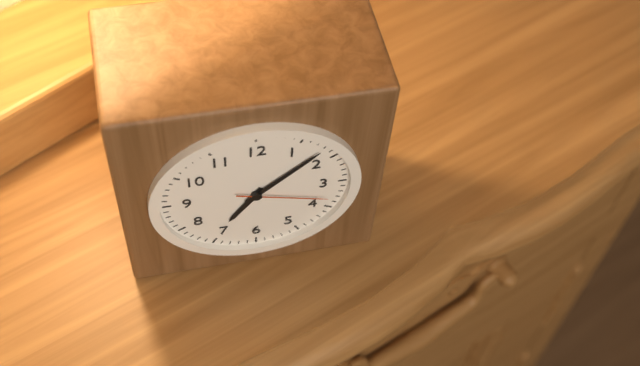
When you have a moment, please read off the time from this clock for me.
7:08:18
